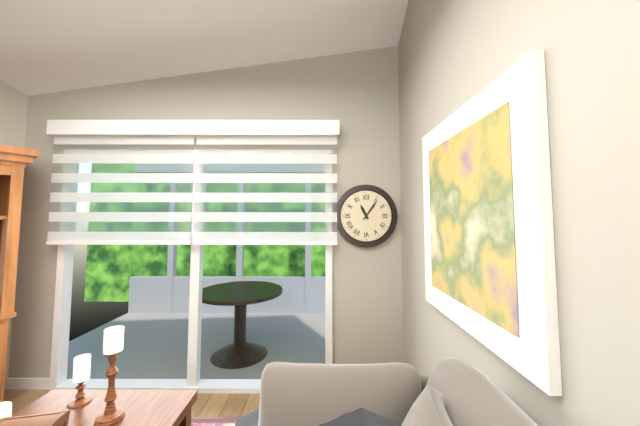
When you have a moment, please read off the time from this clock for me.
11:06
